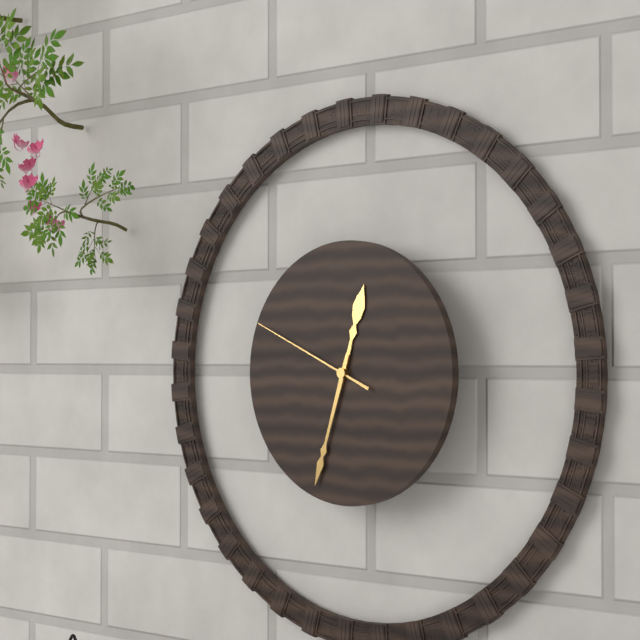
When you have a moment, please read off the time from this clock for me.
12:33:49
